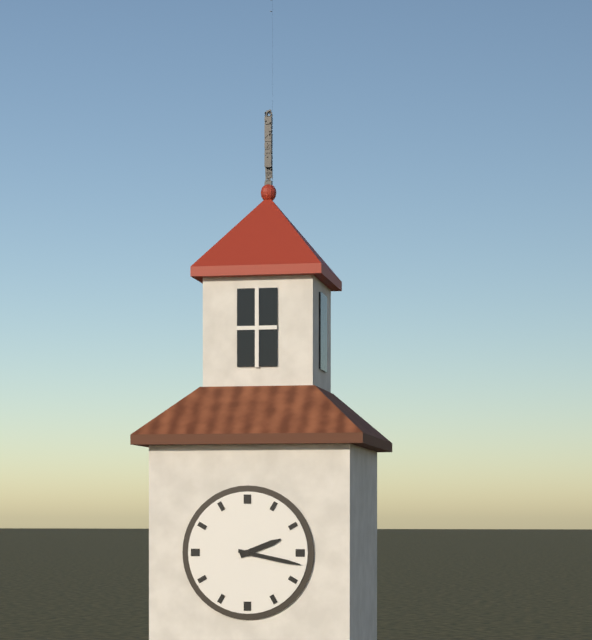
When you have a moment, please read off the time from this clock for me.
2:17
